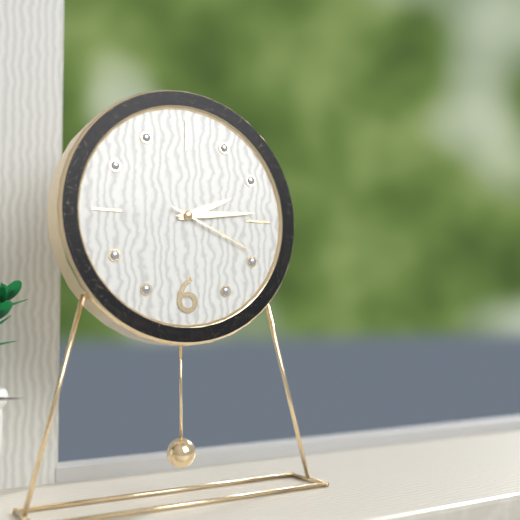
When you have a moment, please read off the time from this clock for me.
2:14:19
